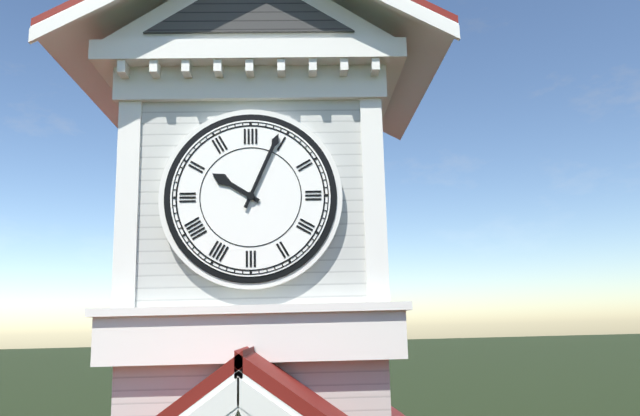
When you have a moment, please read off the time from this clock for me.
10:04
